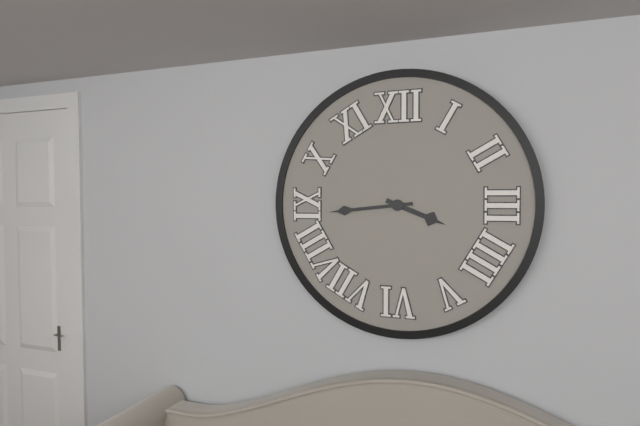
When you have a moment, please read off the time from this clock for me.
3:44
